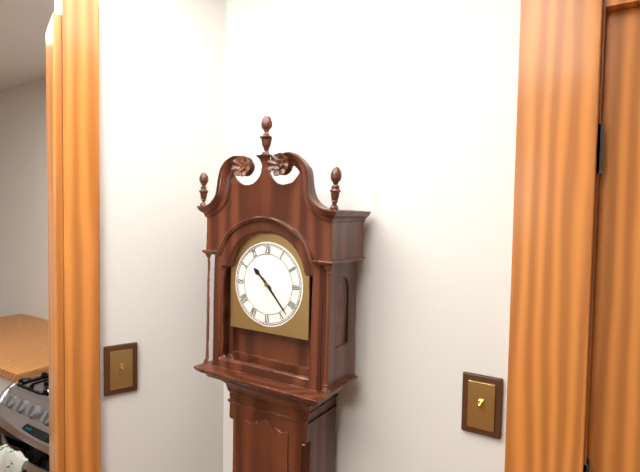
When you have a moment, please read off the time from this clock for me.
10:23
